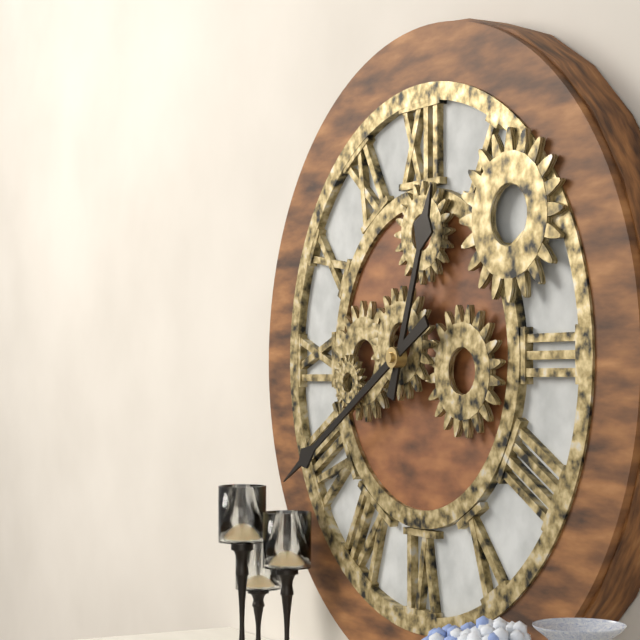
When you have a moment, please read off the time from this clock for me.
12:40
